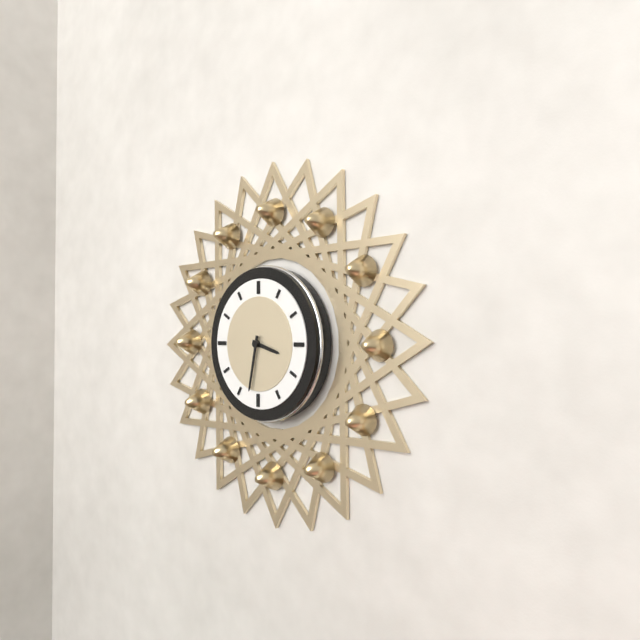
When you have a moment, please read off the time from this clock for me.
3:32
